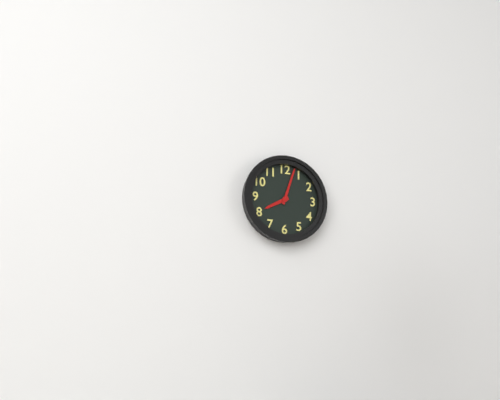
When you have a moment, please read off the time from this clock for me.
8:03
